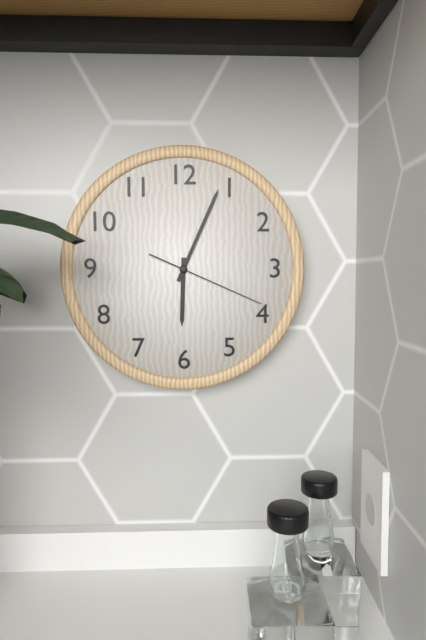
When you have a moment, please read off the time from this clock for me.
6:04:19
